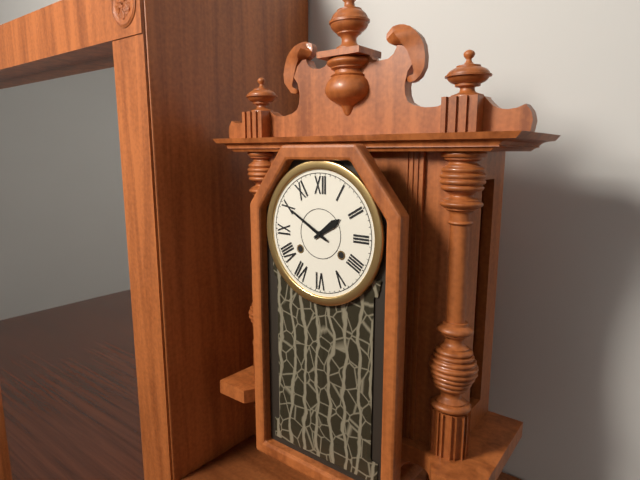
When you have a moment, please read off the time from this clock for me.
1:50
